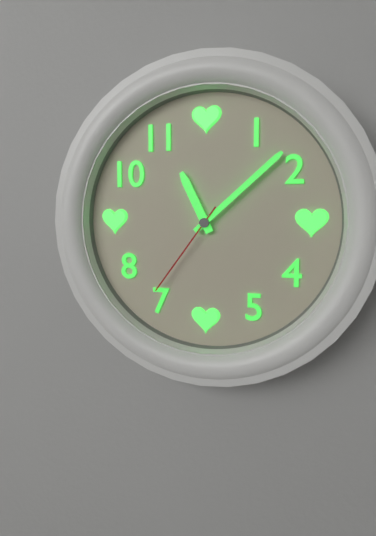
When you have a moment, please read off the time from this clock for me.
11:08:36
